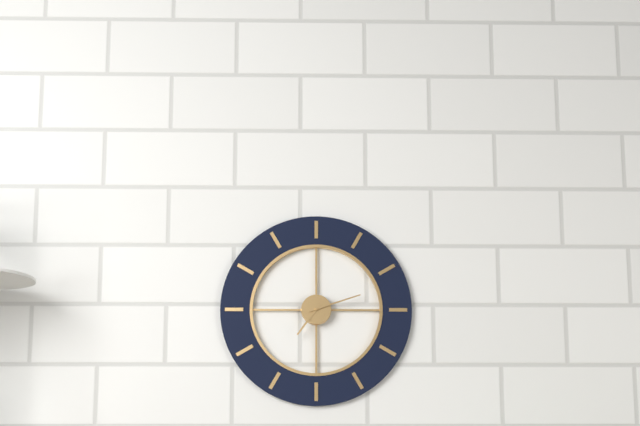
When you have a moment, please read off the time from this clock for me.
7:12
